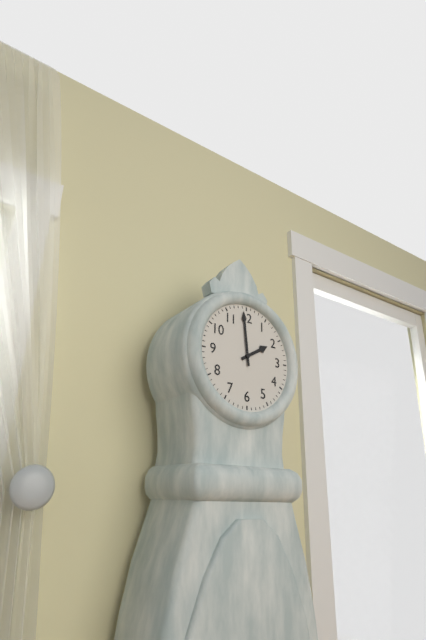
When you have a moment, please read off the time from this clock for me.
1:59
